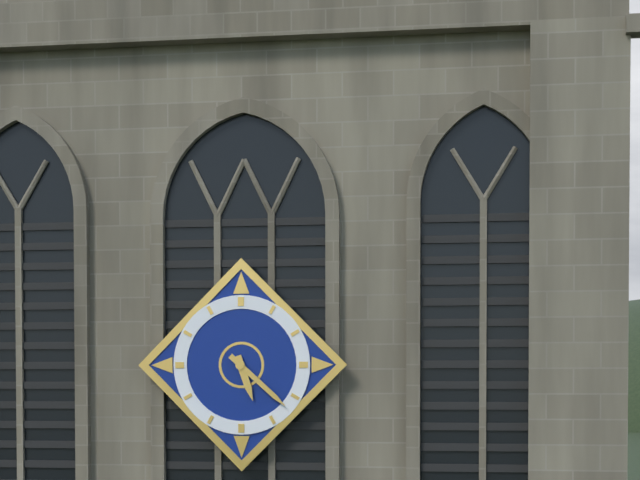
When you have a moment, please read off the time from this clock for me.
5:22
